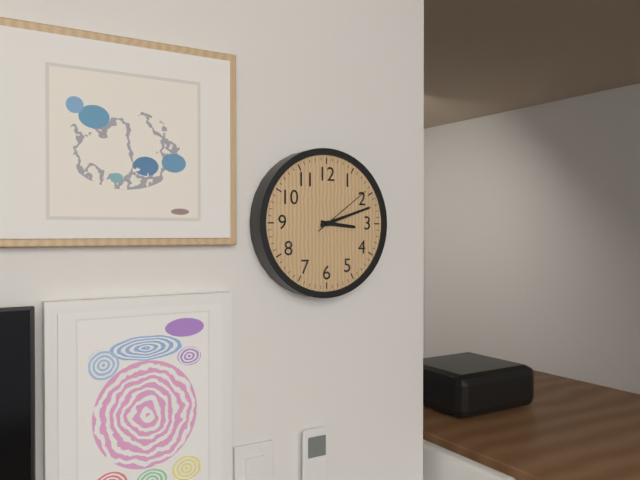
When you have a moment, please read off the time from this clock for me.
3:12:09
